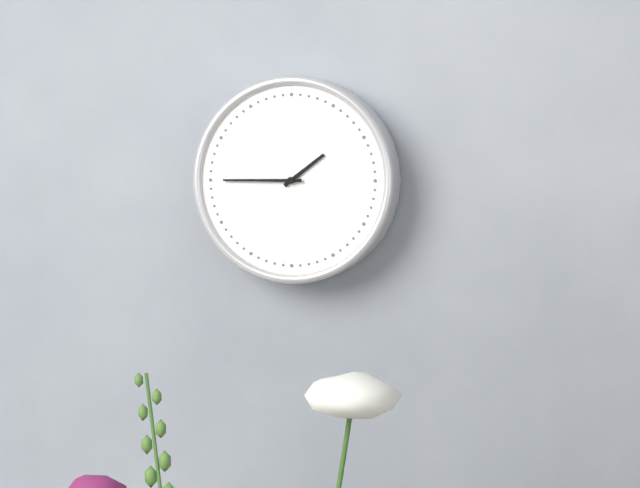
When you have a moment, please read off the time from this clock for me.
1:45
